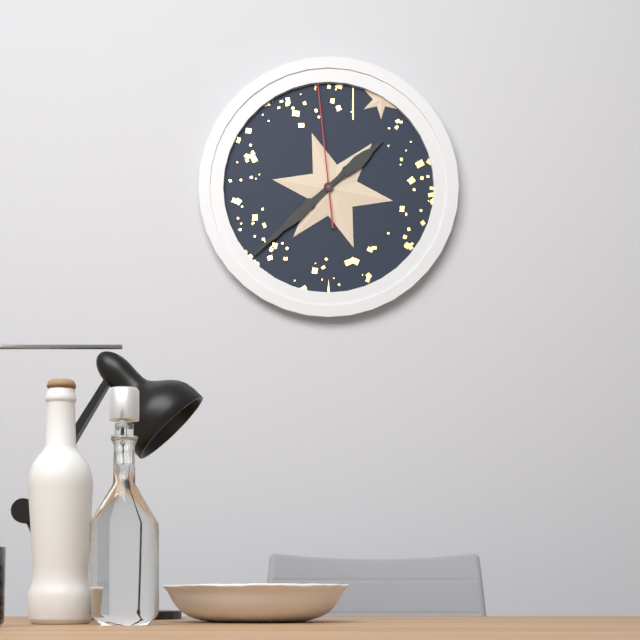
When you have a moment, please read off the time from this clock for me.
1:38:59
